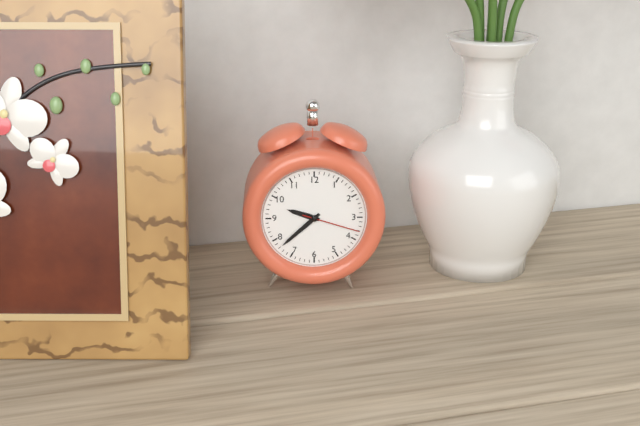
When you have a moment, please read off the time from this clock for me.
9:38:18
